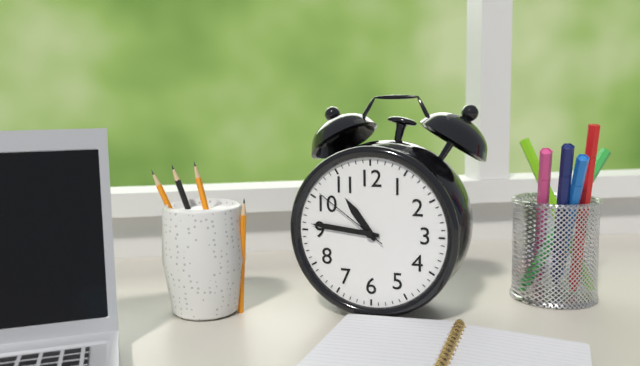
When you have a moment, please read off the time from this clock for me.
10:46:51
